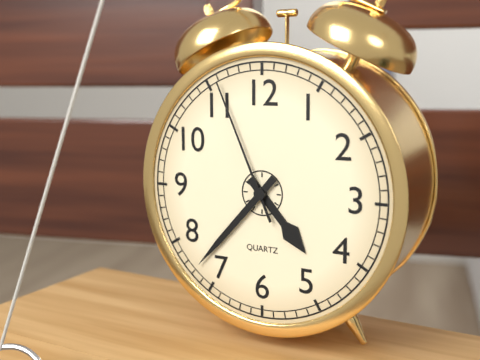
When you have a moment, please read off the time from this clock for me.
4:37:56
